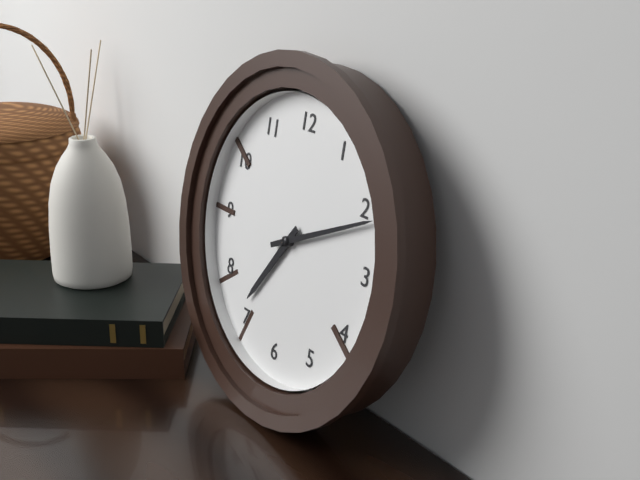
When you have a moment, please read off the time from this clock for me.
7:11
